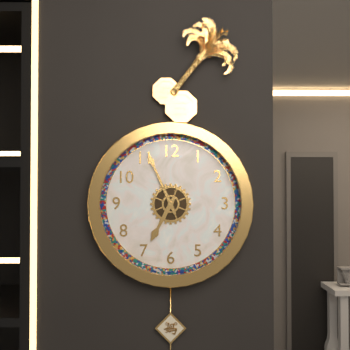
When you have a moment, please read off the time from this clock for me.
6:56
